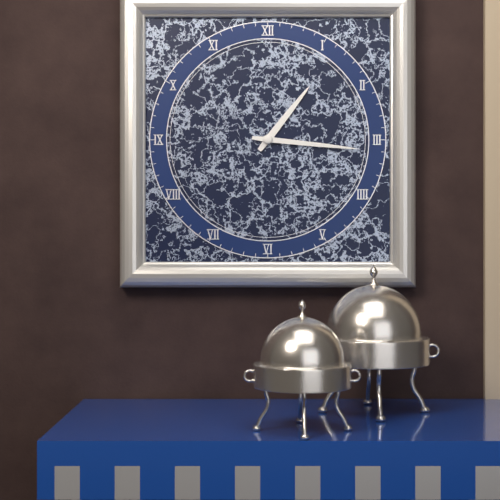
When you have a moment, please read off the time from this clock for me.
1:16
